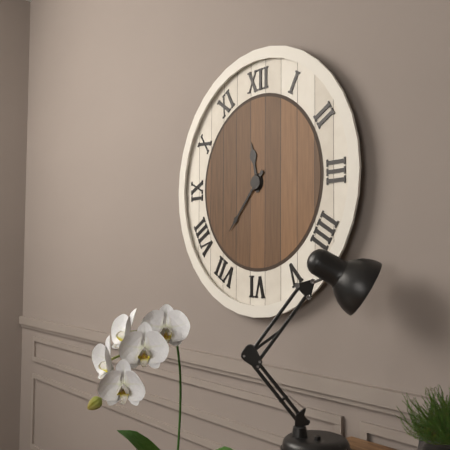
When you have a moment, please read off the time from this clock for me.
11:37
